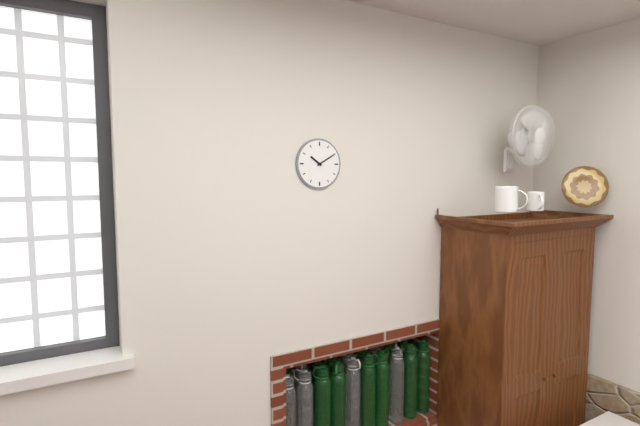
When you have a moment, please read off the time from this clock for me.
10:10
